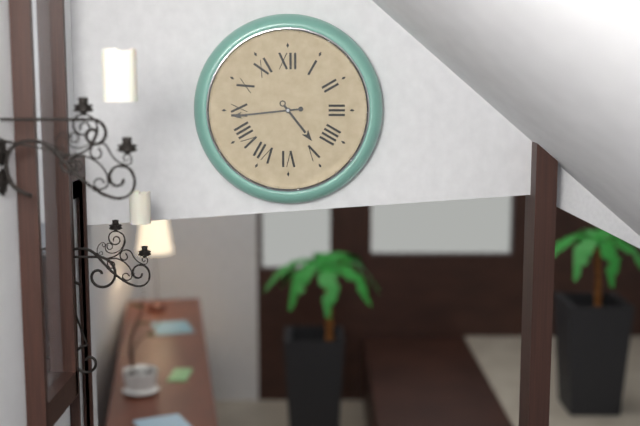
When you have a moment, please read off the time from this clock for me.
4:44
